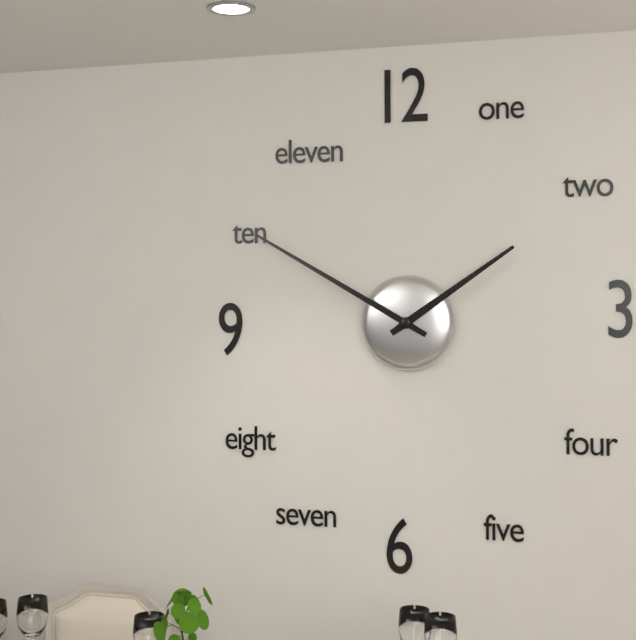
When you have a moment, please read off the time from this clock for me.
1:50
